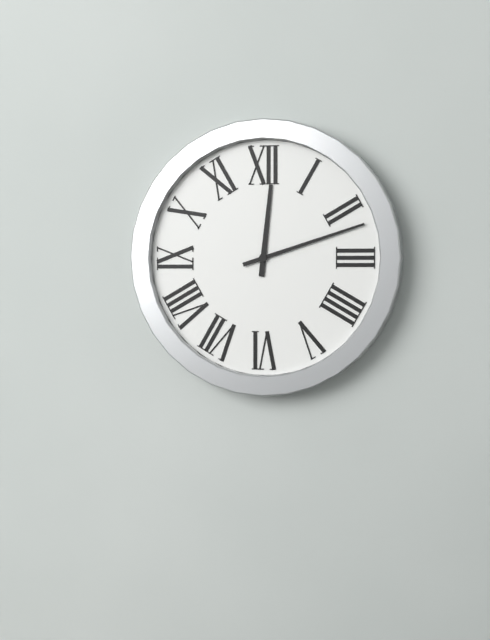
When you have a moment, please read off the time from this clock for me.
12:12
